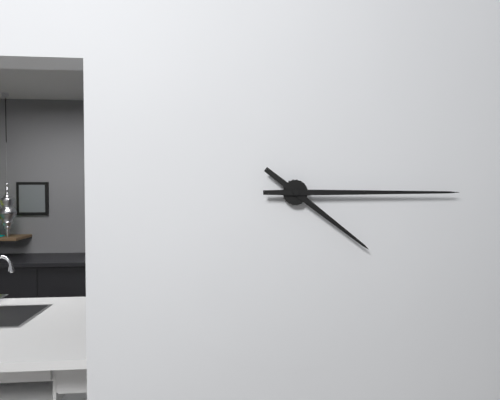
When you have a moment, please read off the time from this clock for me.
4:15
